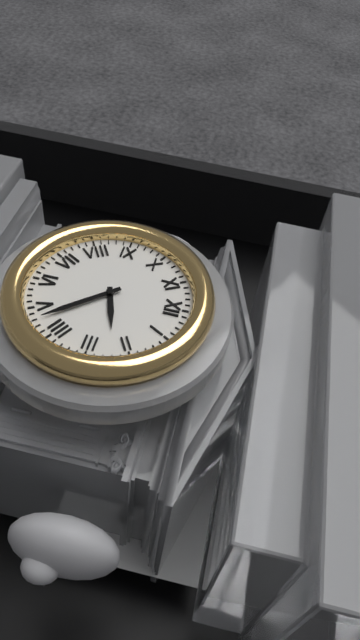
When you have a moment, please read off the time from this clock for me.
2:23
